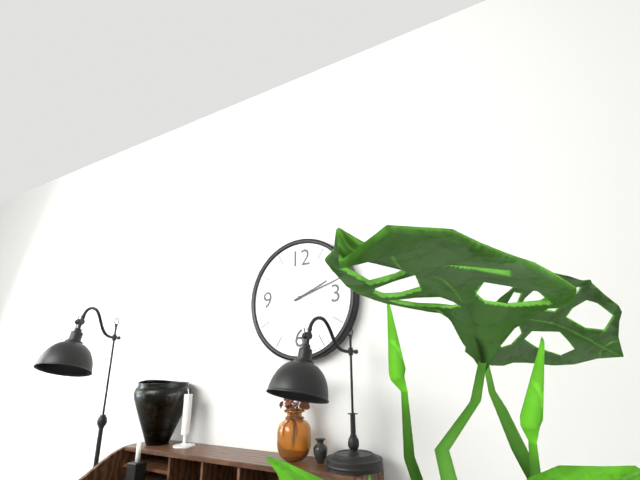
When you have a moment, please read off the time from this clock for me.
2:12
